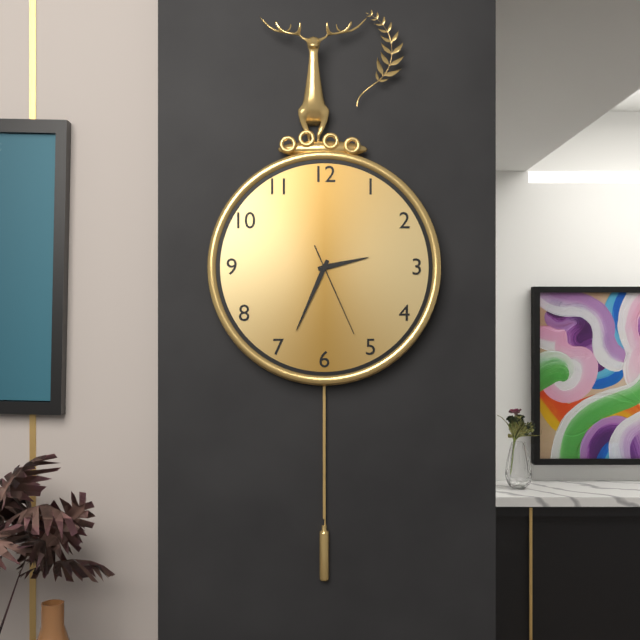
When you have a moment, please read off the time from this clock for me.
2:34:26
